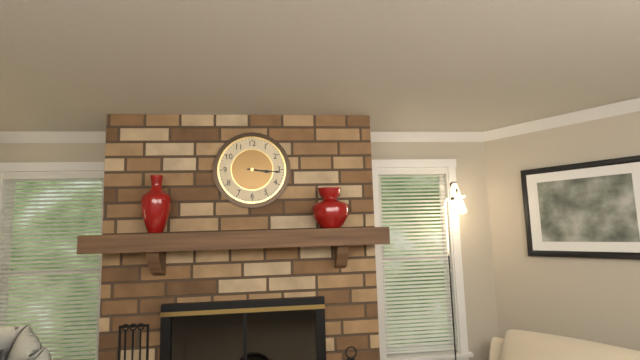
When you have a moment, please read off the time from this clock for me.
3:16
